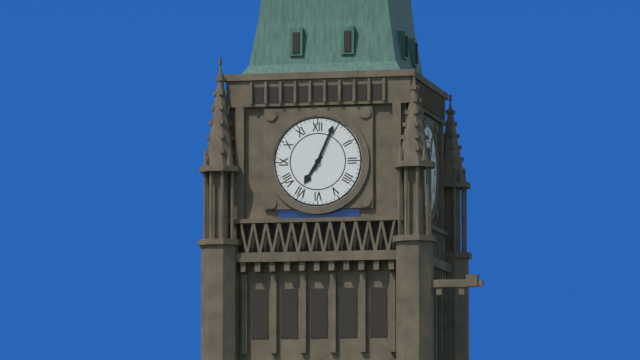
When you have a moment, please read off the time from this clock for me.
7:04
